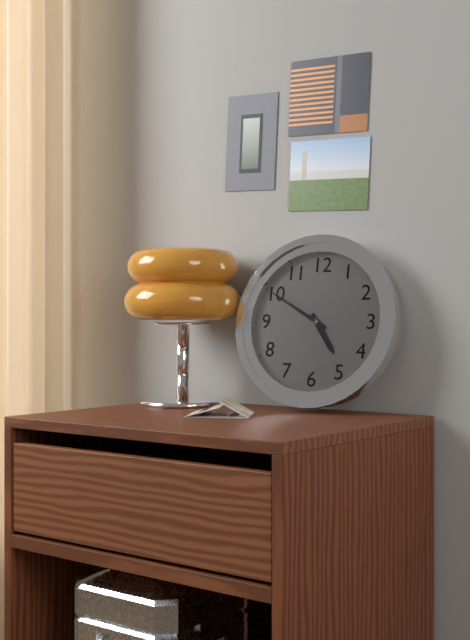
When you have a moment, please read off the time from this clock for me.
4:50
